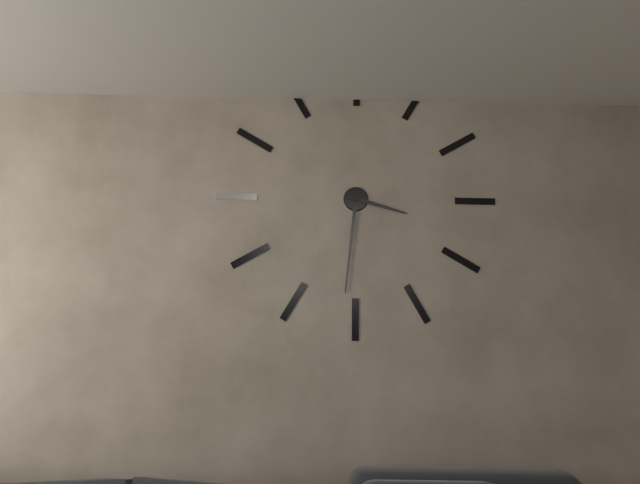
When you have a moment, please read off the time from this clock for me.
3:31
